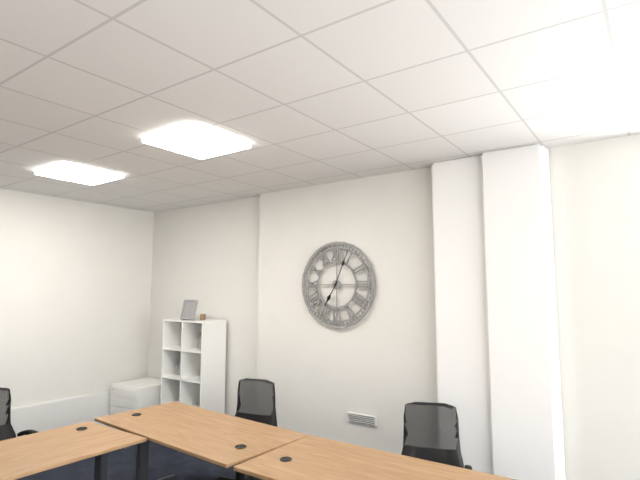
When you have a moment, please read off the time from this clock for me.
7:04
